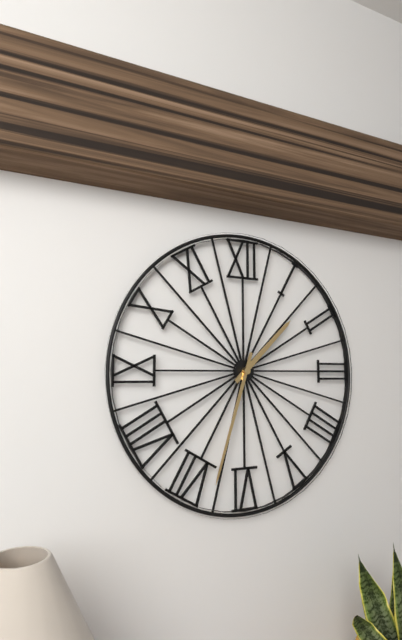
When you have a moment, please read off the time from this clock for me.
1:33
